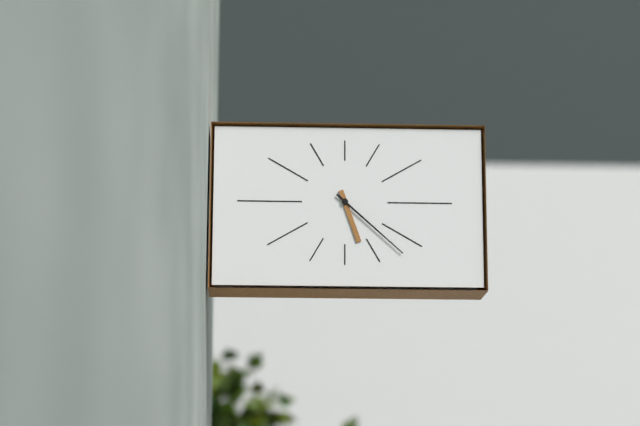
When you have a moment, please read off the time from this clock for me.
5:22
